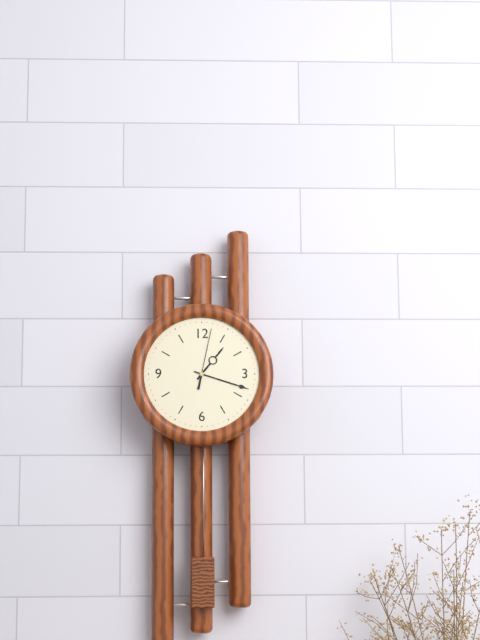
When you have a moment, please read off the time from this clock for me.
1:18:02
